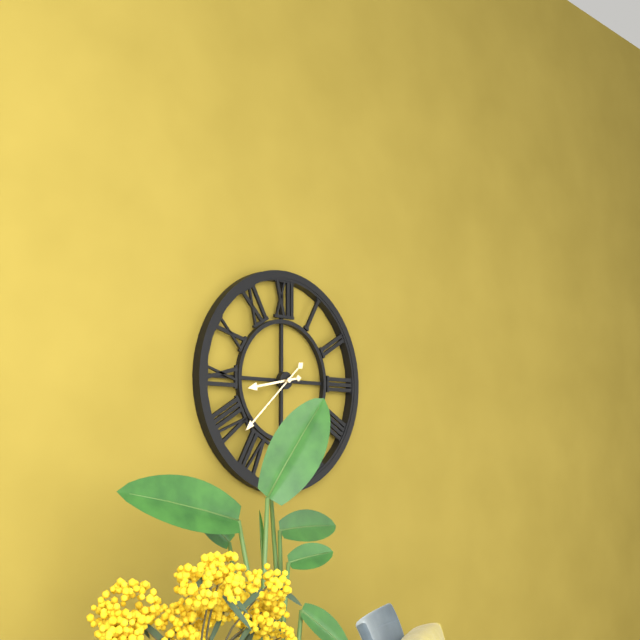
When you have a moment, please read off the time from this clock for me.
8:38
